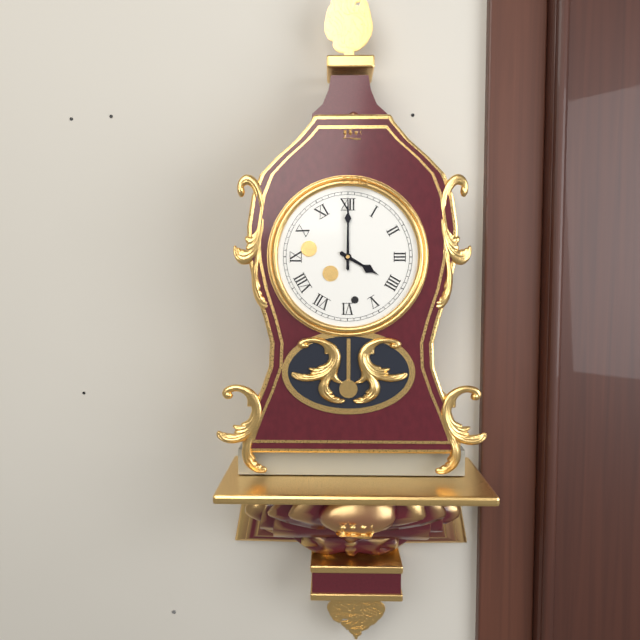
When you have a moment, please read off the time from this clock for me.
4:00
